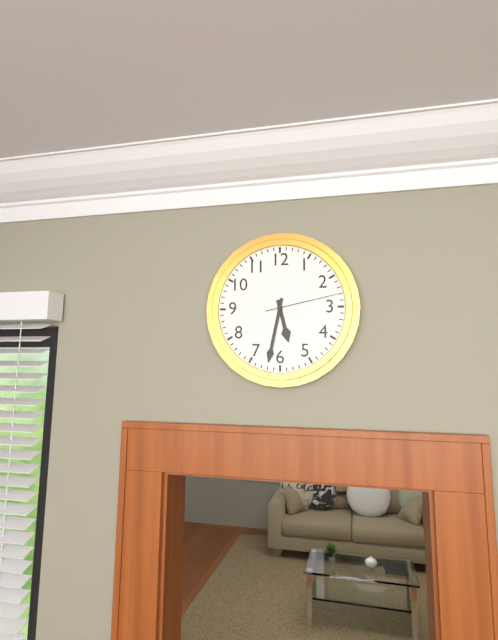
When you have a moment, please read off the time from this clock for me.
5:32:13
